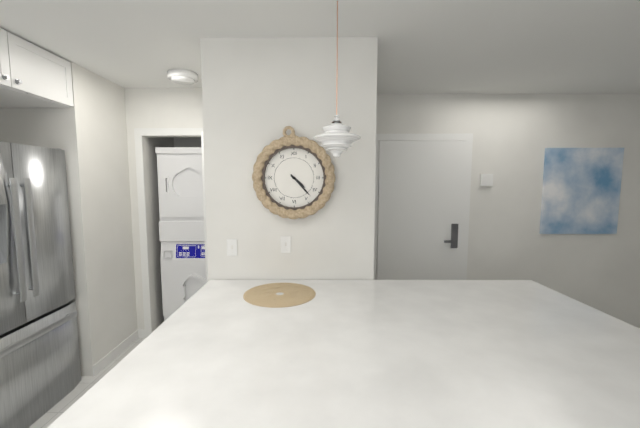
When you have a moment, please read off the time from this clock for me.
4:23
